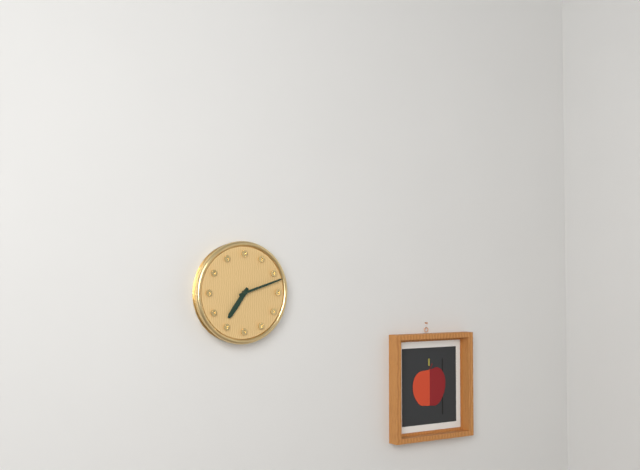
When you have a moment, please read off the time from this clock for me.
7:12
